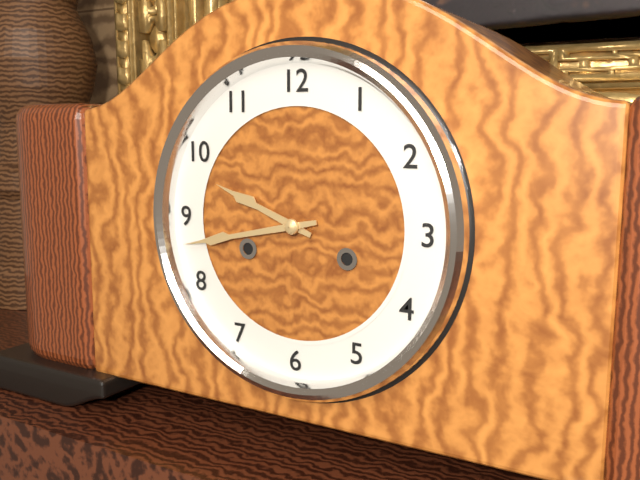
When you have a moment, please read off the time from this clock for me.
9:43
